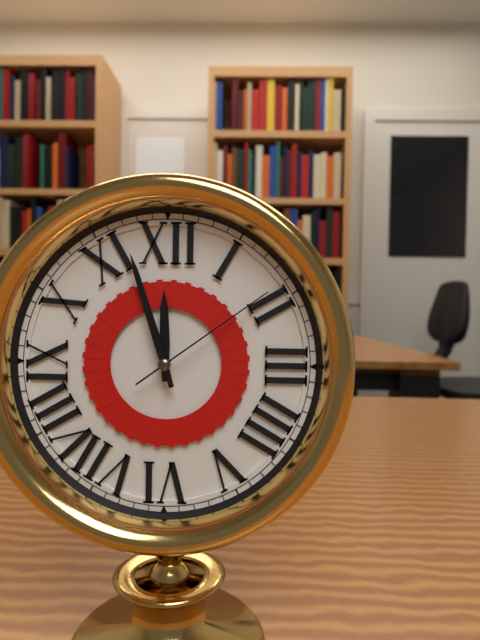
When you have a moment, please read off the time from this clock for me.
11:57:09
